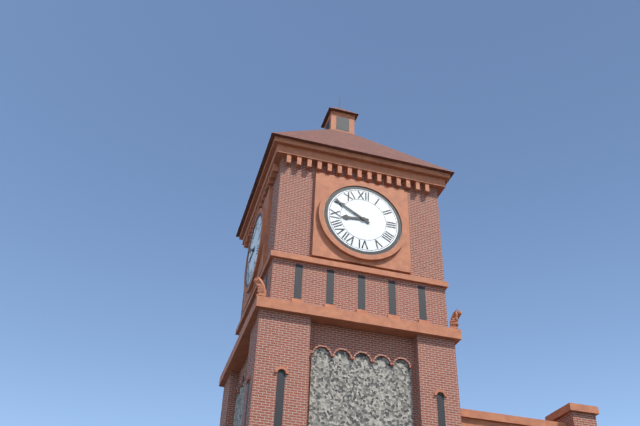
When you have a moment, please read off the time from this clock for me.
8:50
